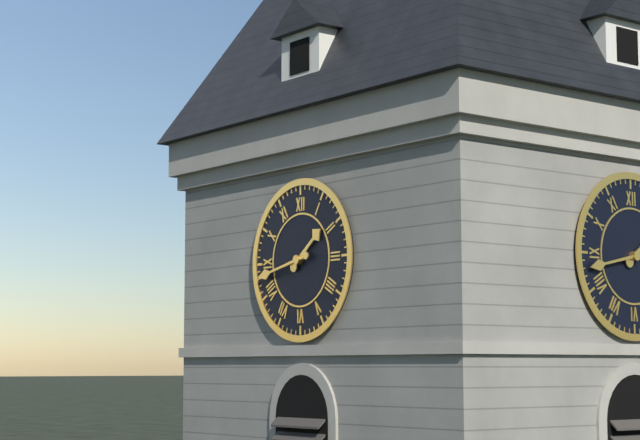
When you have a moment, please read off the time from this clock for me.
1:43
